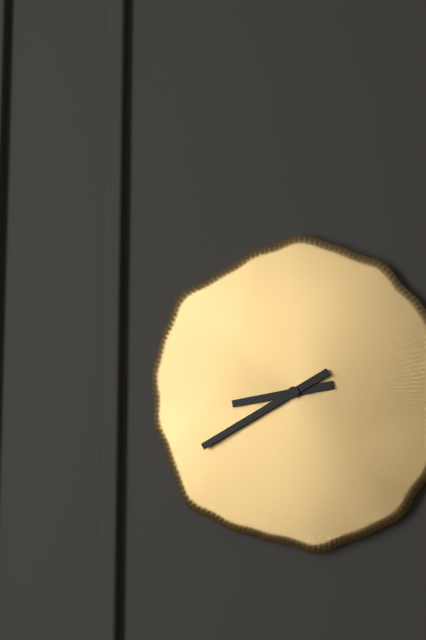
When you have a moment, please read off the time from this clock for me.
8:40
